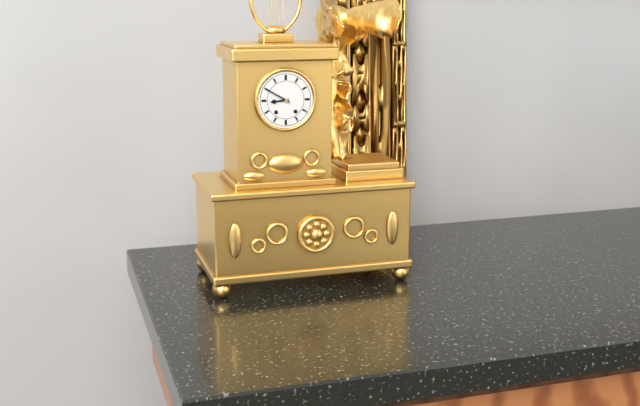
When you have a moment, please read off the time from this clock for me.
8:50
